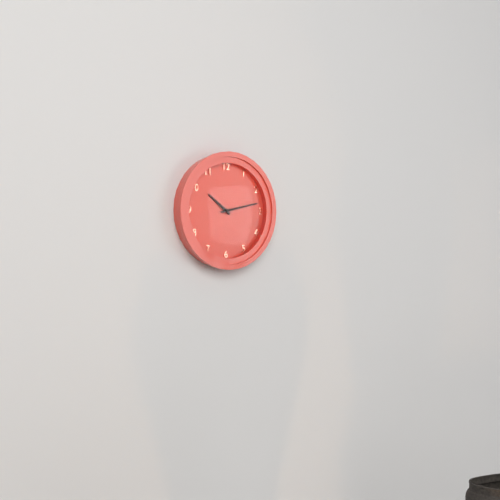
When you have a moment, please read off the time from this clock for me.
10:13
